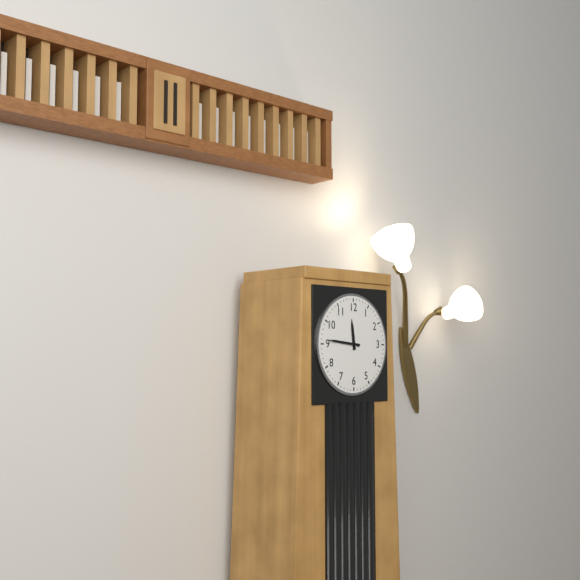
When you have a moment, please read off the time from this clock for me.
11:46
